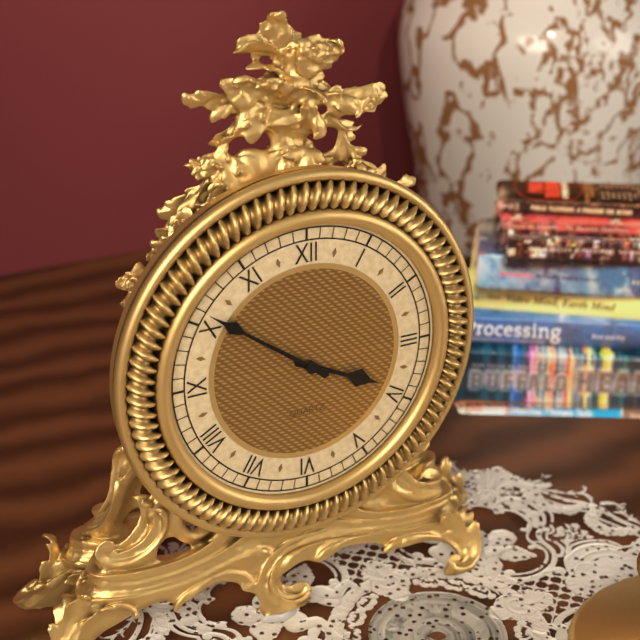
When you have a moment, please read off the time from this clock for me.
3:51
